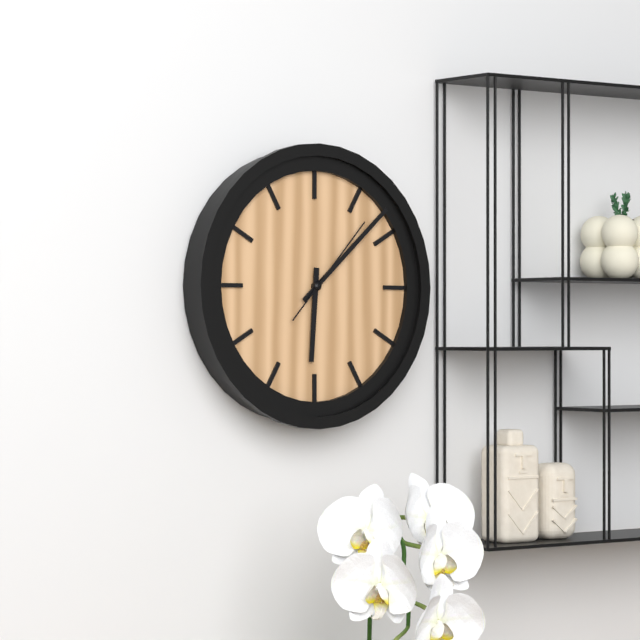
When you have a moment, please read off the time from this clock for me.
6:08:07
